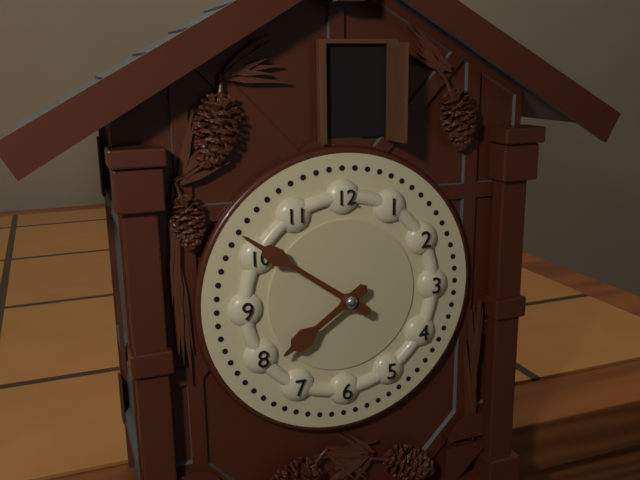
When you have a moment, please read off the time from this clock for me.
7:51
